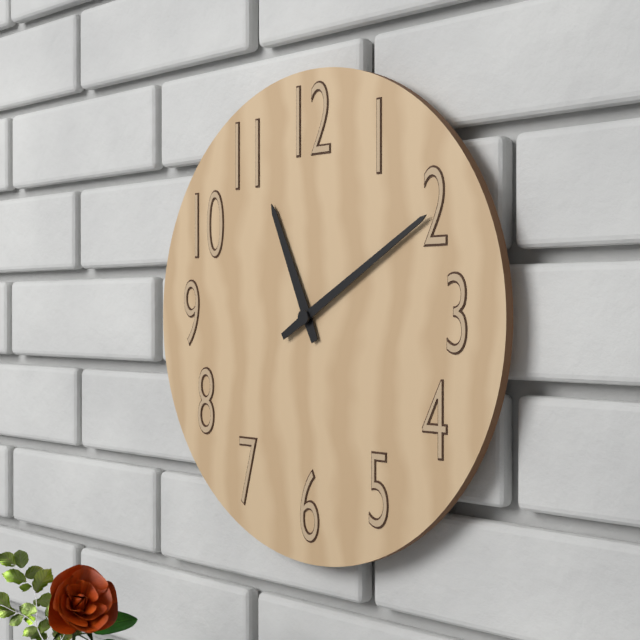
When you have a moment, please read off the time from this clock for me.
11:10
